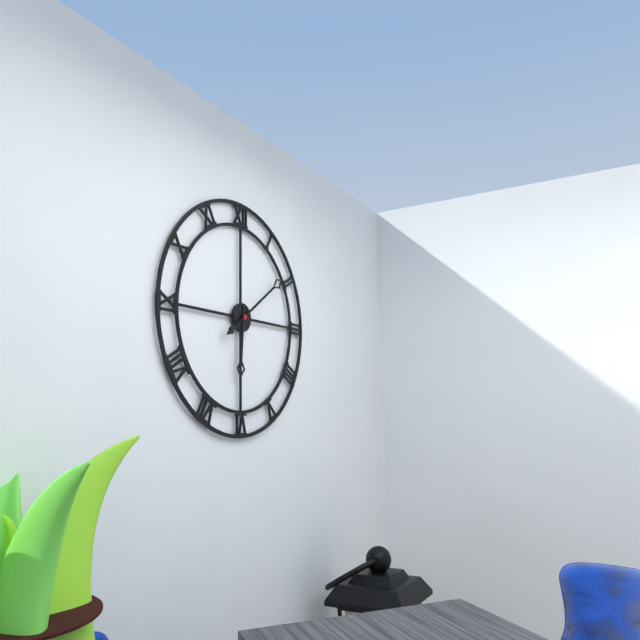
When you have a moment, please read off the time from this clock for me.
6:09
